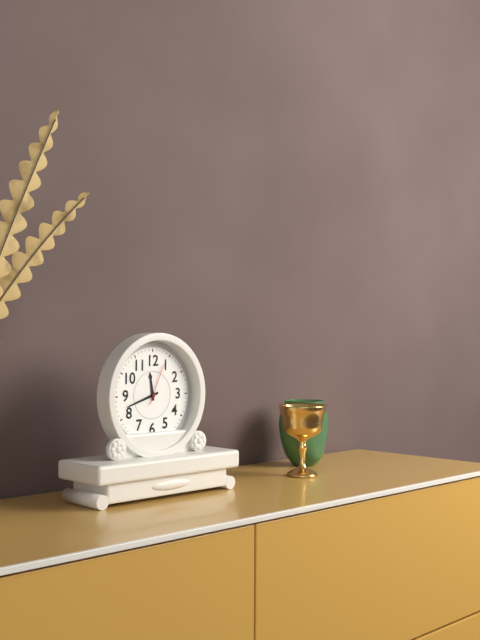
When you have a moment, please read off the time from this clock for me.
11:42
